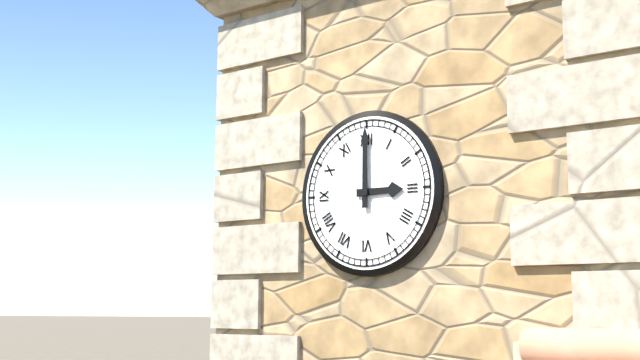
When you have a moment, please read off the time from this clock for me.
3:00
